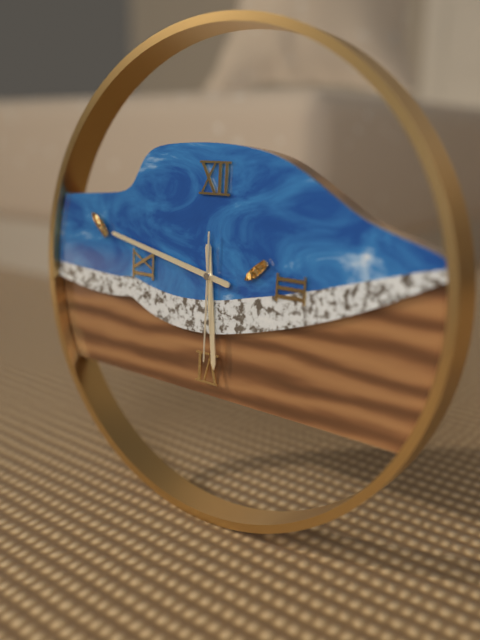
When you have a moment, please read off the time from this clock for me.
5:47:30
